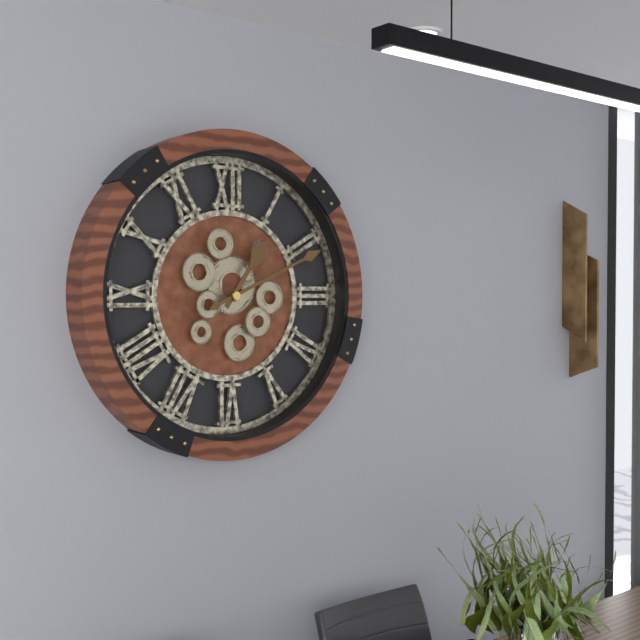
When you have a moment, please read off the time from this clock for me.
1:11
